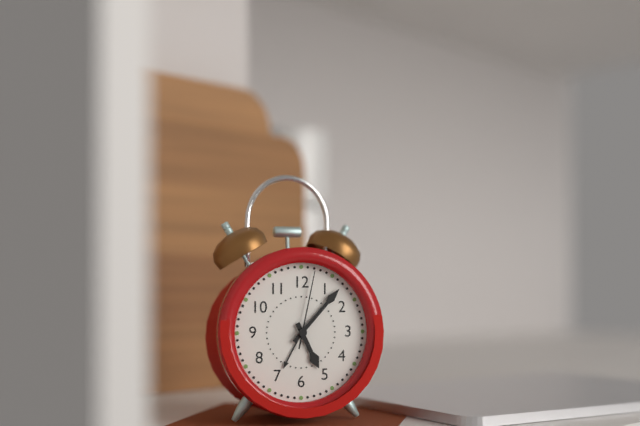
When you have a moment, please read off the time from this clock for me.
5:07:02
